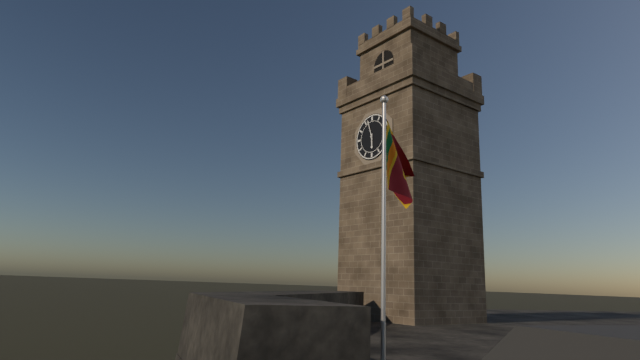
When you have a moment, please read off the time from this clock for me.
5:57
